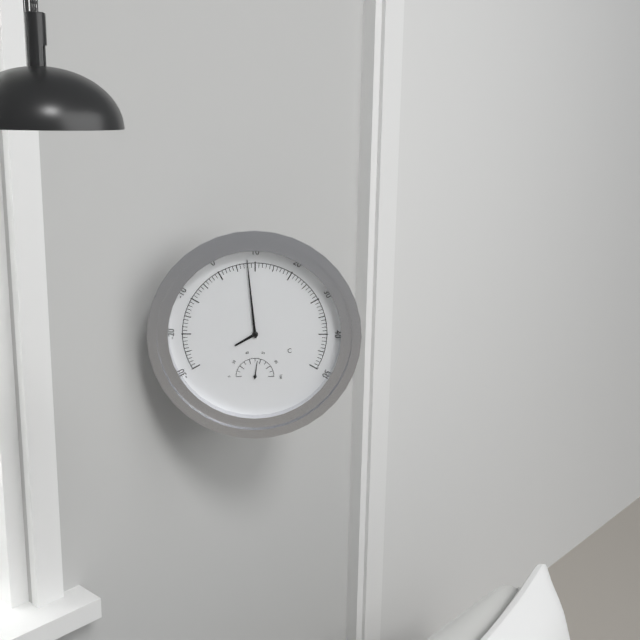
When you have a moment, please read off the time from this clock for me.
7:59
